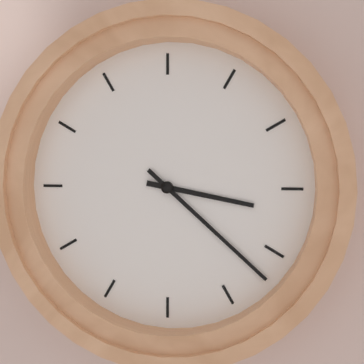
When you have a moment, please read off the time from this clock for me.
3:22
